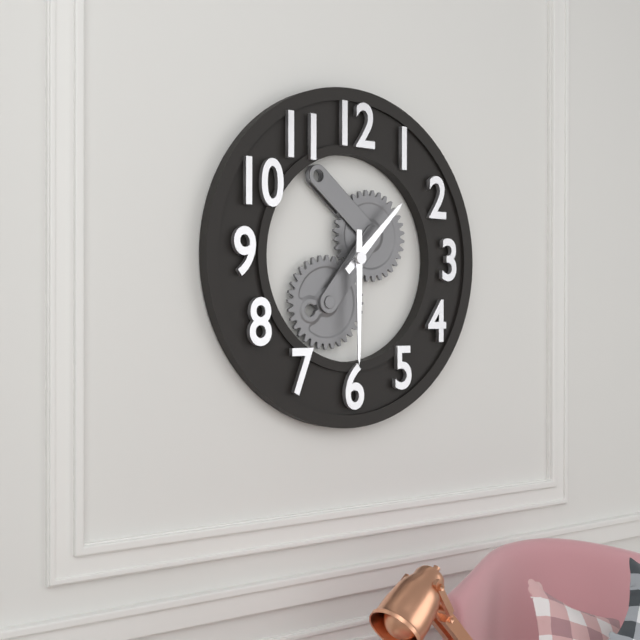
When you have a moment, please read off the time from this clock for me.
1:30
